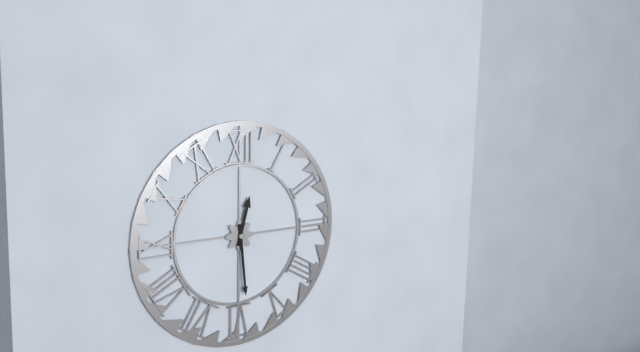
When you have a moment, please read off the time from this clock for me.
12:29
